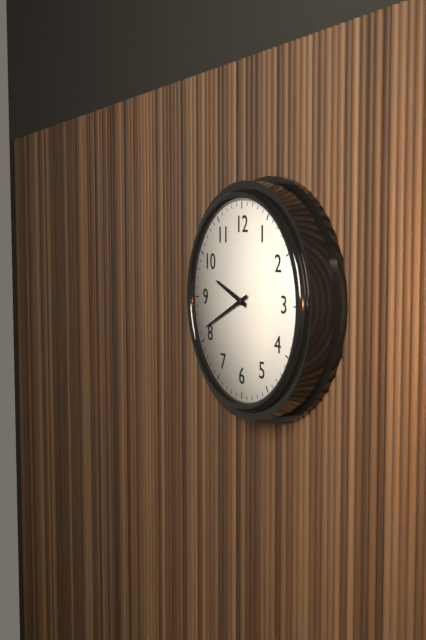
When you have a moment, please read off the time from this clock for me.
9:41
